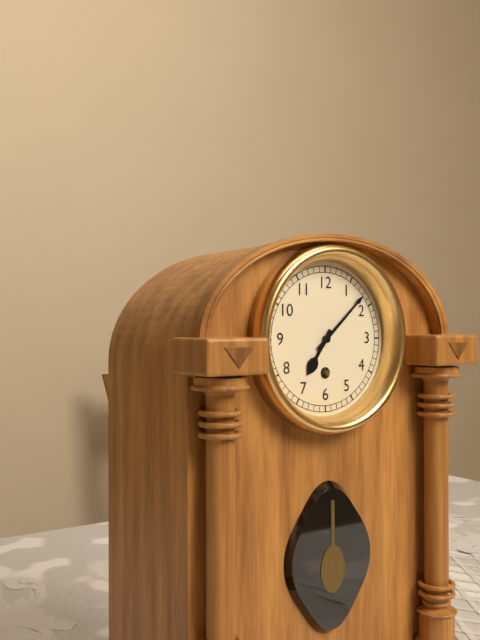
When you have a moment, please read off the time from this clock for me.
7:08
